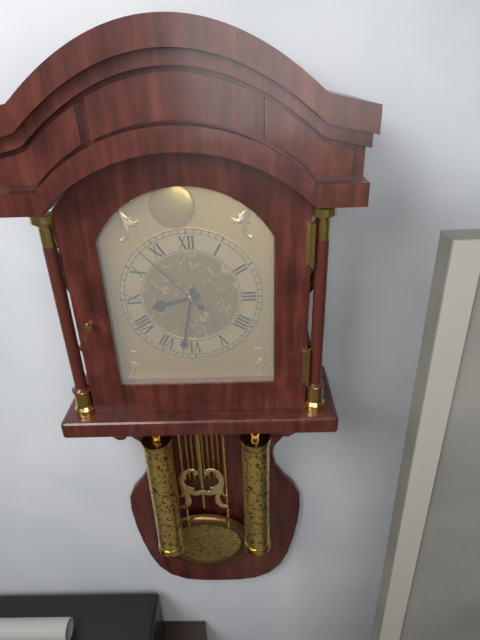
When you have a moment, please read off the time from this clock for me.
8:32:53
